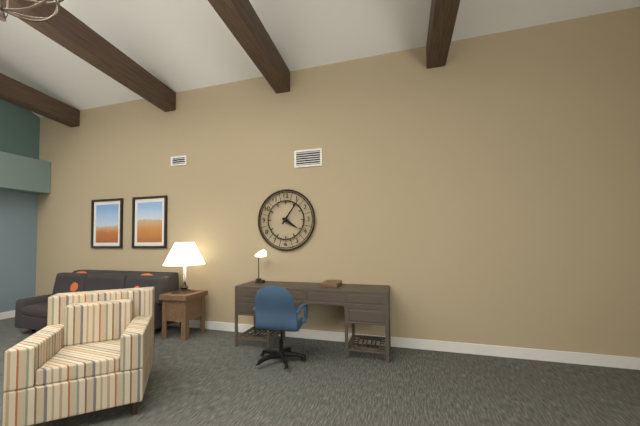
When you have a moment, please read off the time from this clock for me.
4:06
